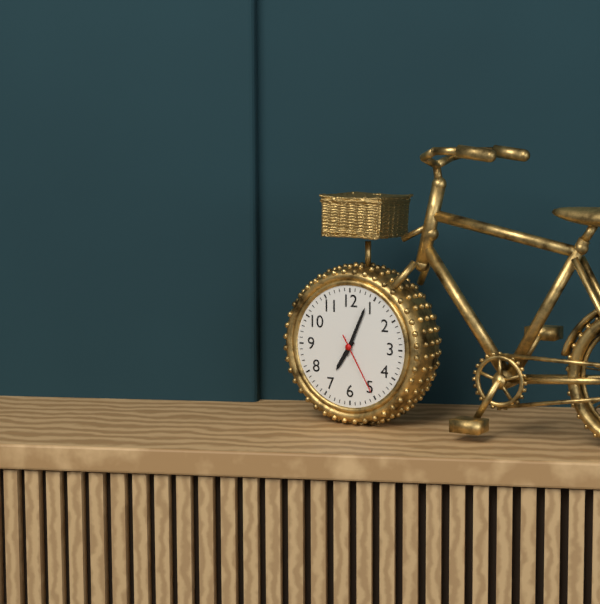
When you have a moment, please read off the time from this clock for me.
7:04:25
